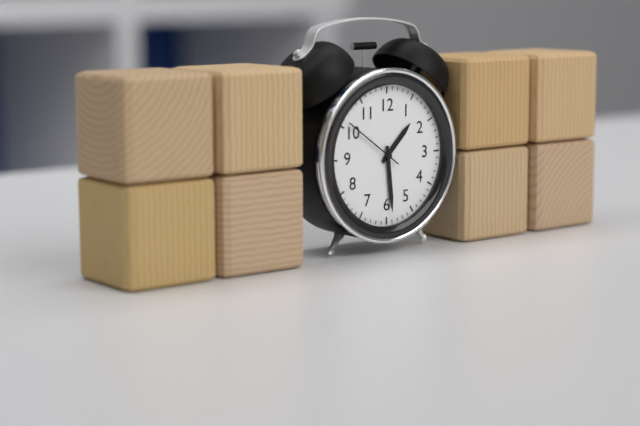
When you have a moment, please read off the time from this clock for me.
1:29:51
